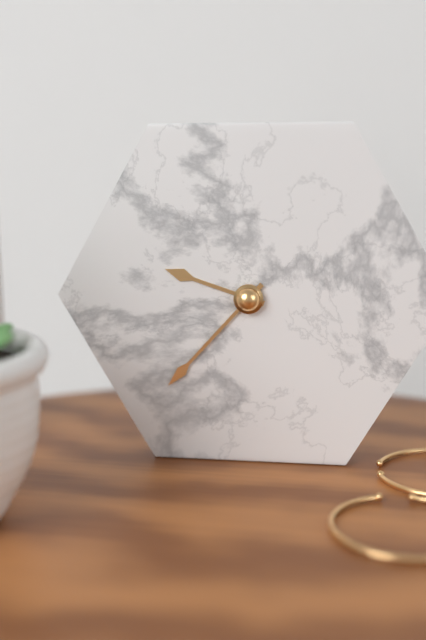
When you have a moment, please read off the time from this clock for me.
9:37
